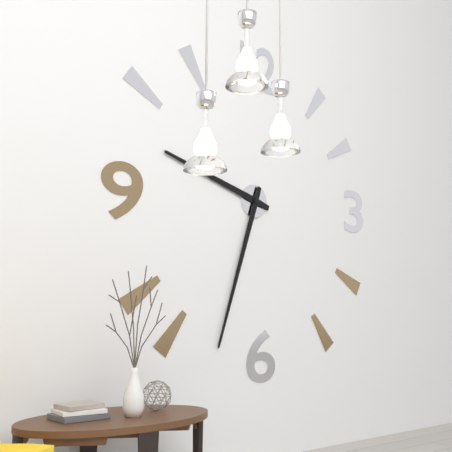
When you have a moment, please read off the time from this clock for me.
9:33
